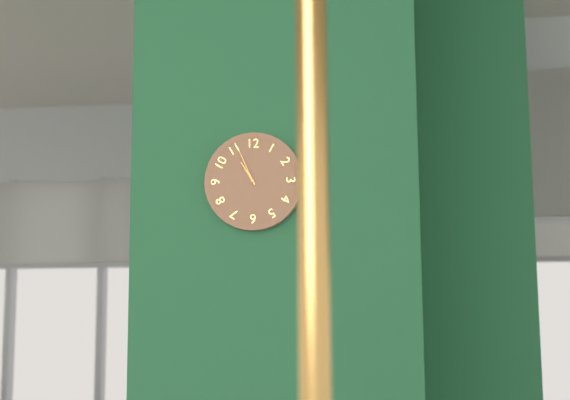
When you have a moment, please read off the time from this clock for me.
10:56
